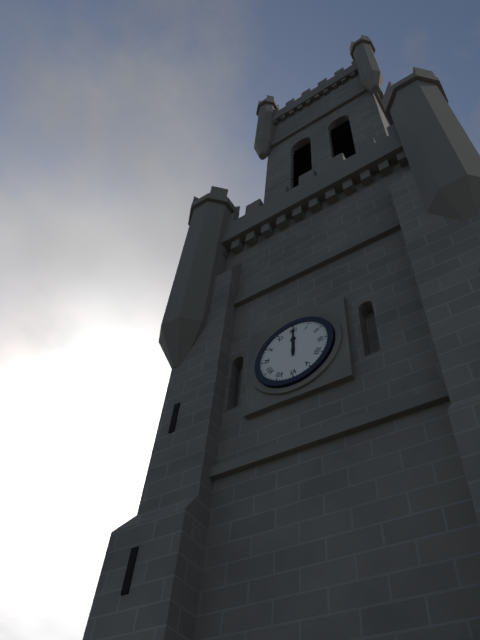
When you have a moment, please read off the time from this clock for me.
12:00
